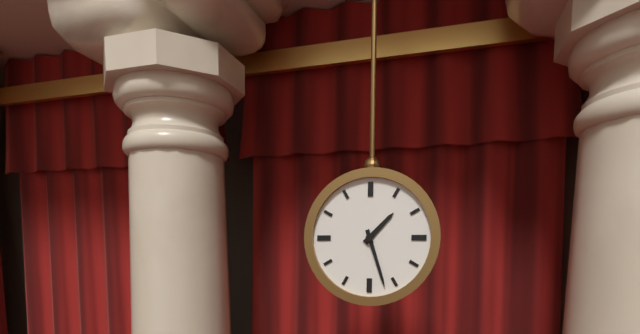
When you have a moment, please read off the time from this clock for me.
1:27
